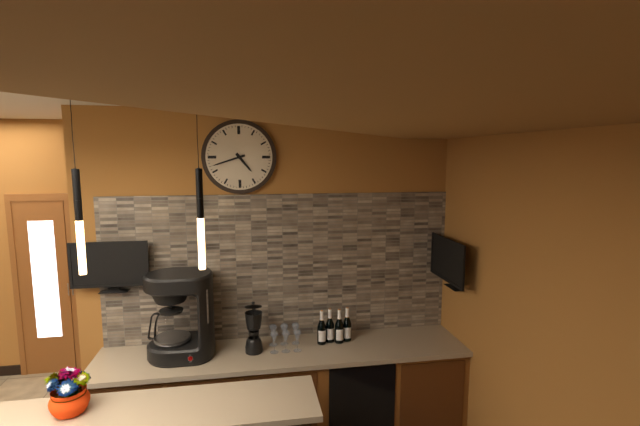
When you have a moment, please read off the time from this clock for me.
4:42
